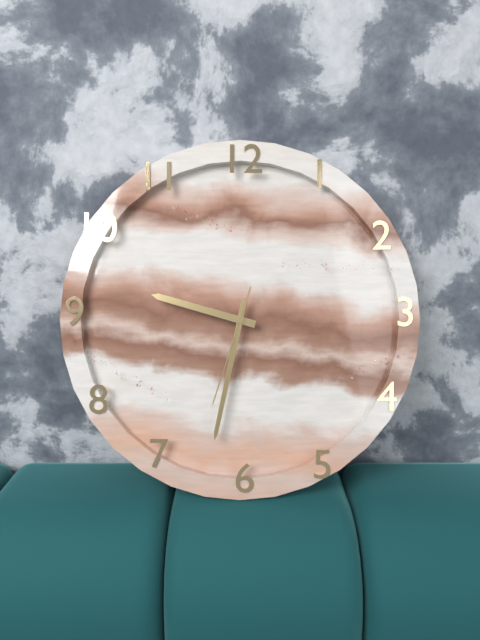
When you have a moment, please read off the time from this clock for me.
9:32:33
